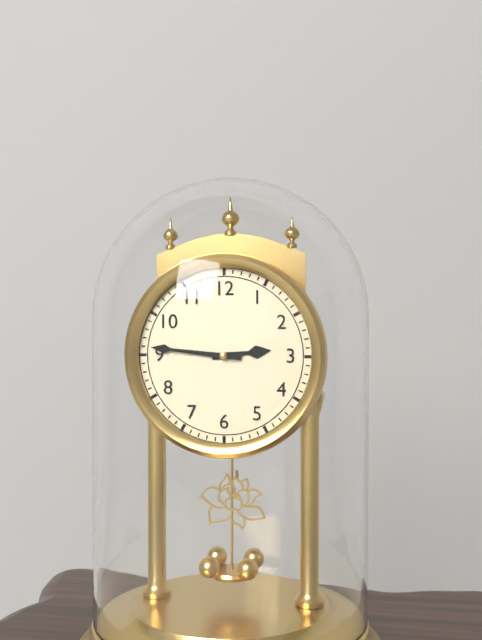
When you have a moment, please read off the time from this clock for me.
2:46
